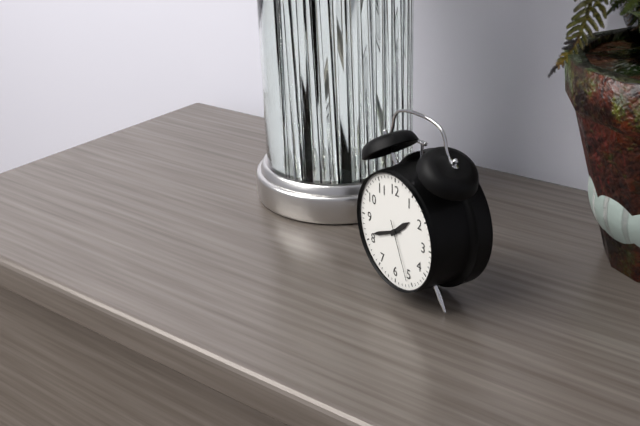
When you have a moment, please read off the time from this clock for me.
1:41:26
